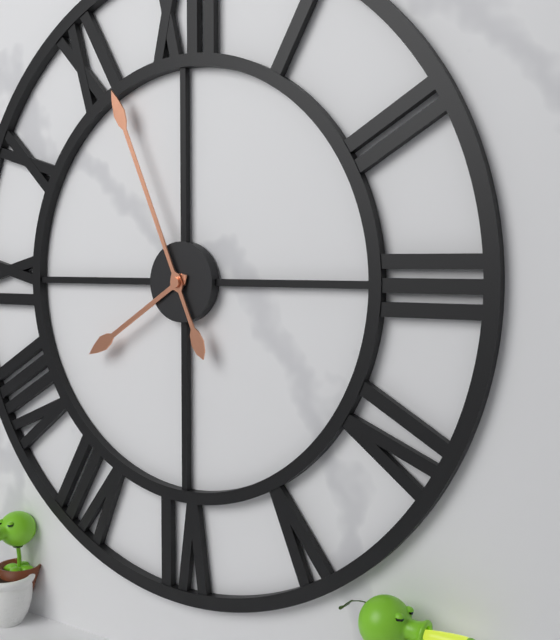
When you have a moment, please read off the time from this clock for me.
7:56
